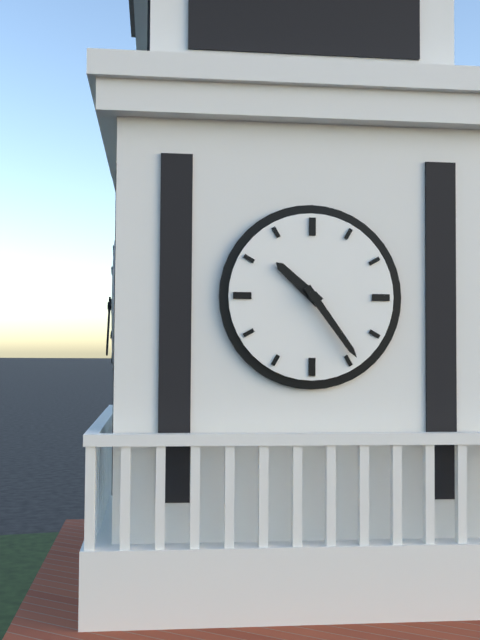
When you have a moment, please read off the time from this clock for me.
10:24
